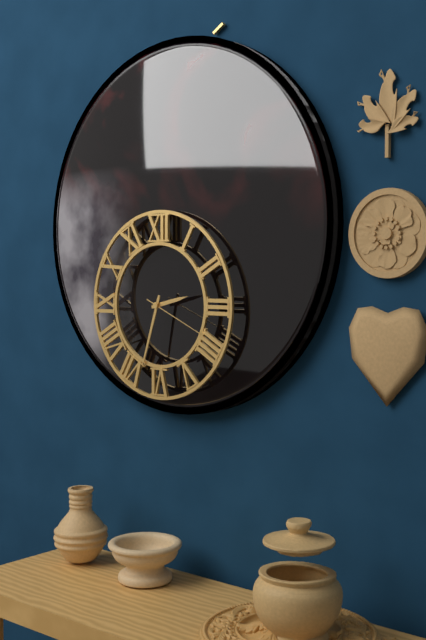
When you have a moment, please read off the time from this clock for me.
2:33:19
